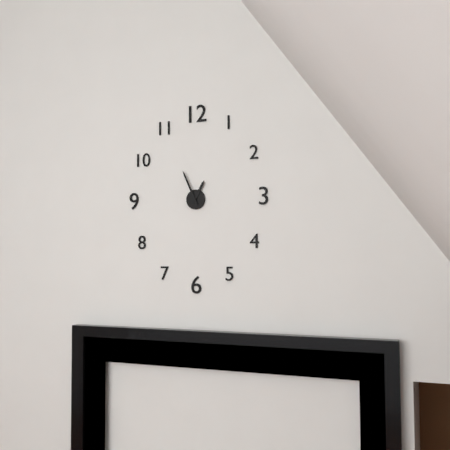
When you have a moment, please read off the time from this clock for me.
12:56
